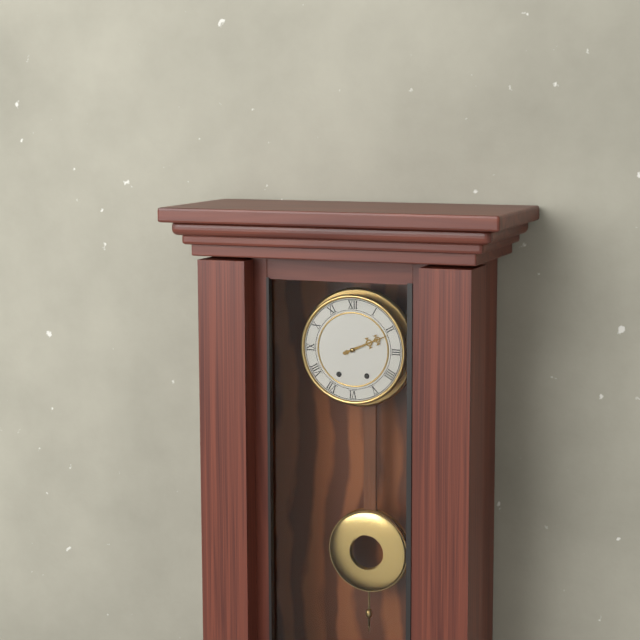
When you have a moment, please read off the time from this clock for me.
2:11
